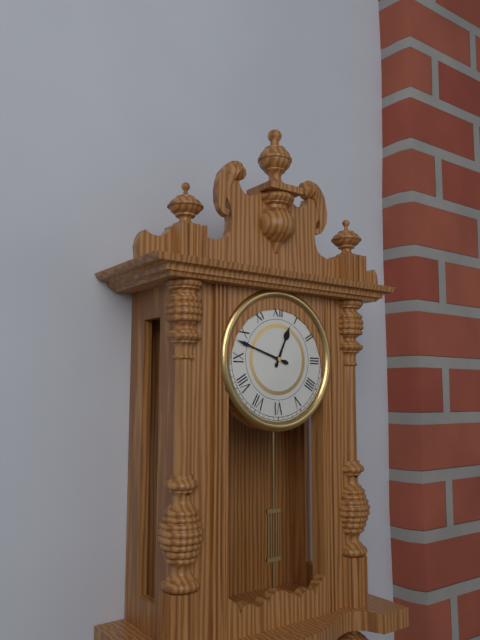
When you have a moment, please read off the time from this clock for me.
12:48
